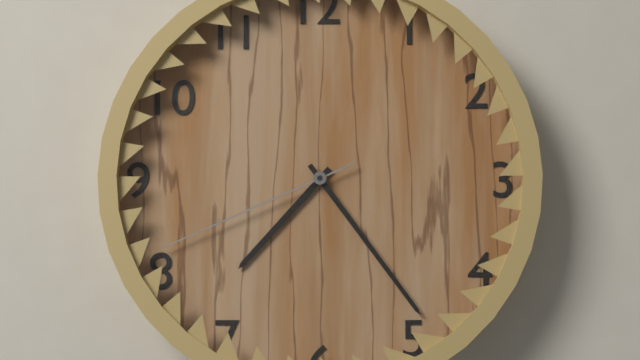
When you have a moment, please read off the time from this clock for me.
7:24:41
